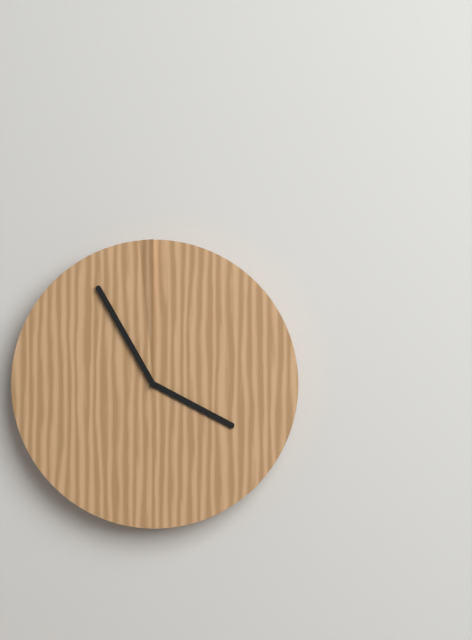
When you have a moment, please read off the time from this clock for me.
3:55
